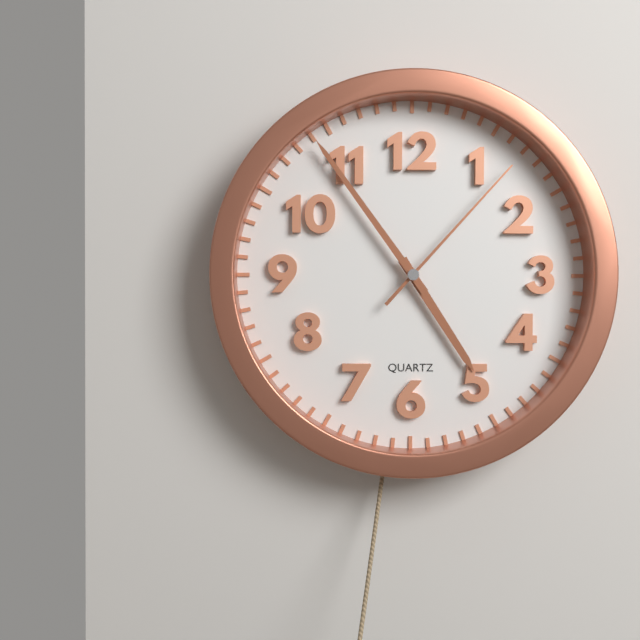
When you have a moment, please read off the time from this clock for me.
4:54:07
